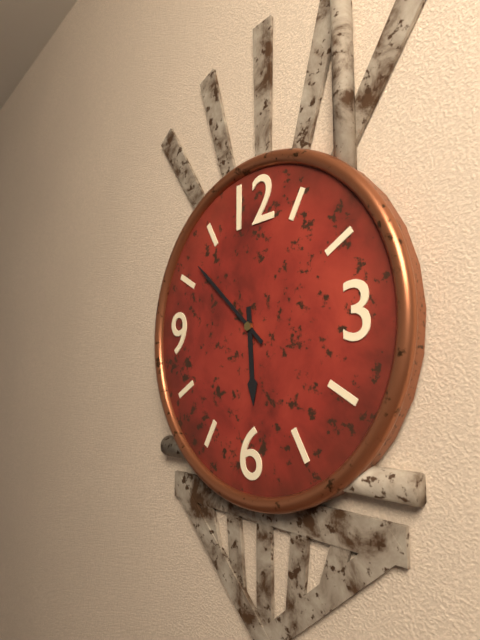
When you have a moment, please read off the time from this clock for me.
5:52
